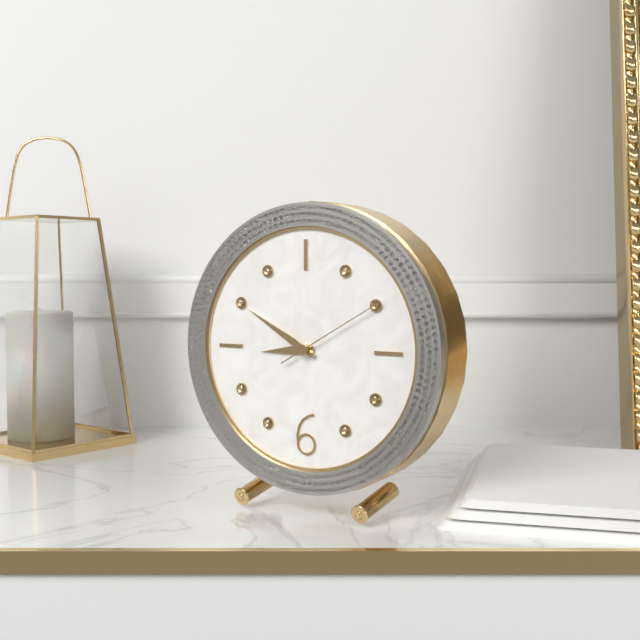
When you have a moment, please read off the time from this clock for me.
8:50:10
